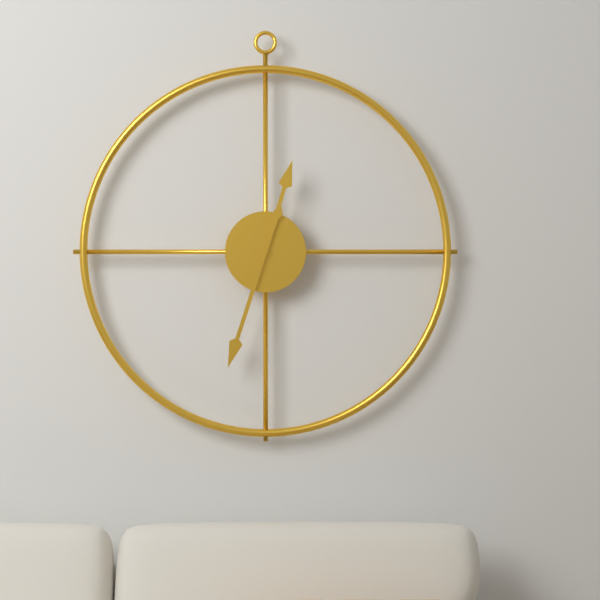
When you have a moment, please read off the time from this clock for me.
12:33
